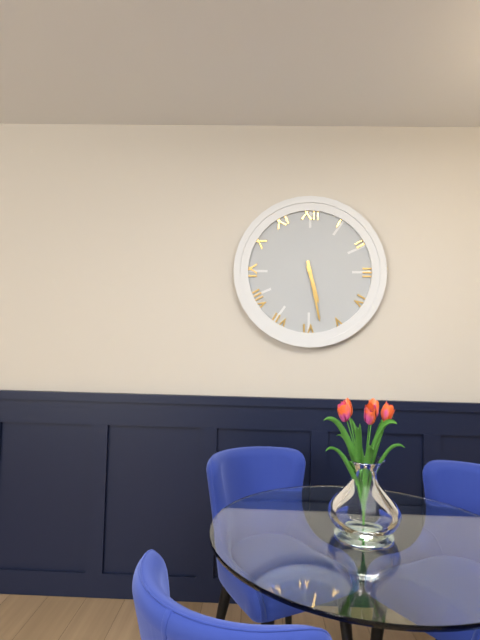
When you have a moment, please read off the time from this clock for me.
5:28
